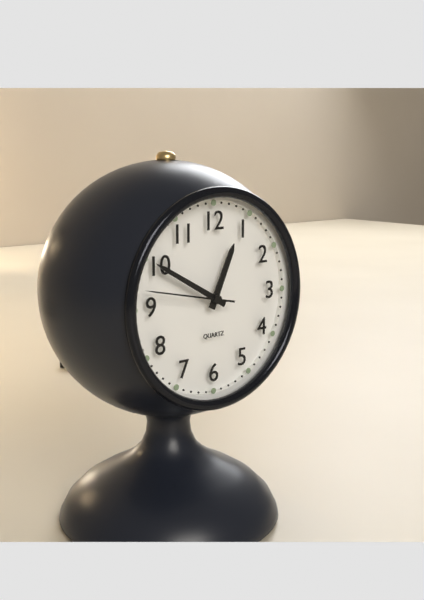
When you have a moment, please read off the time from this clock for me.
12:50:47
